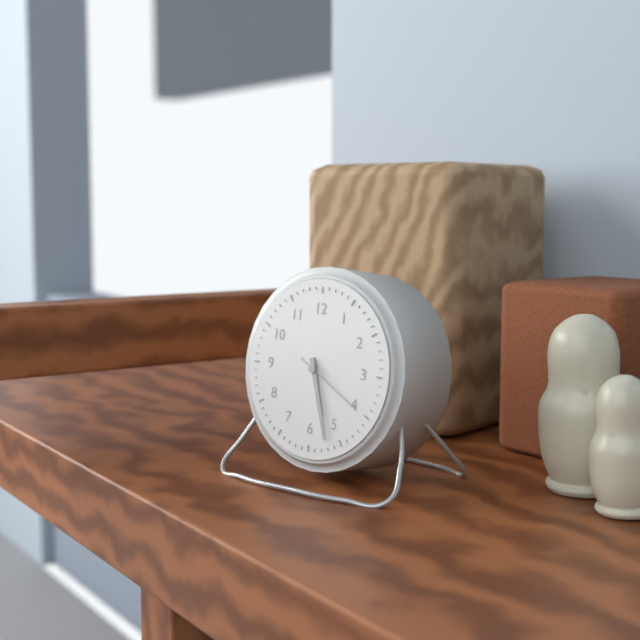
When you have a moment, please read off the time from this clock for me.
5:27:20
